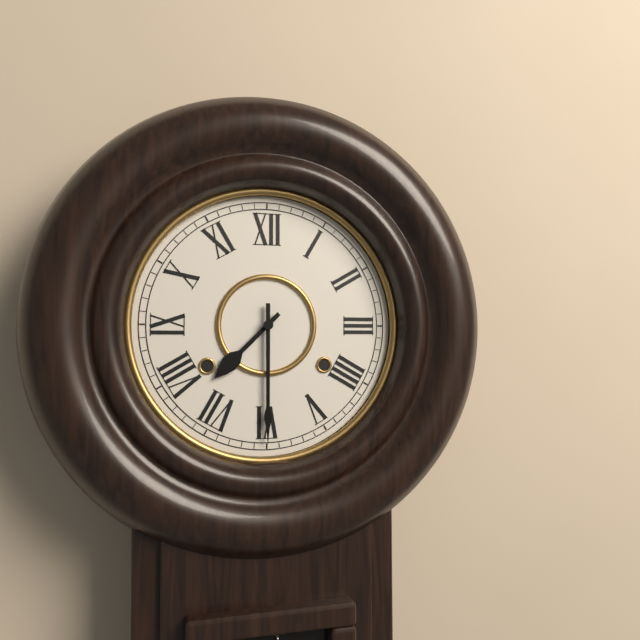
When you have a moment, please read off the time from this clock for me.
7:30
